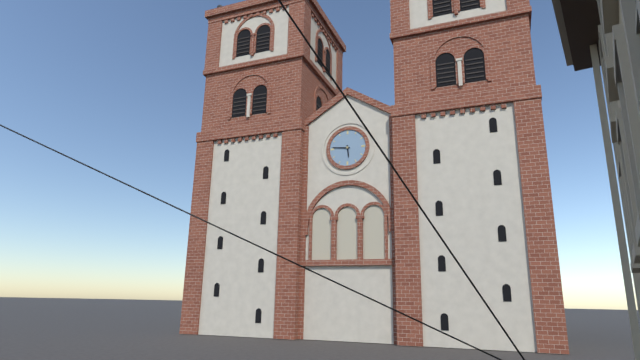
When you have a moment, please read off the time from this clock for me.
5:46
